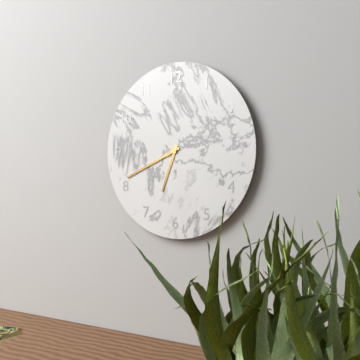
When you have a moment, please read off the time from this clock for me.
6:41
